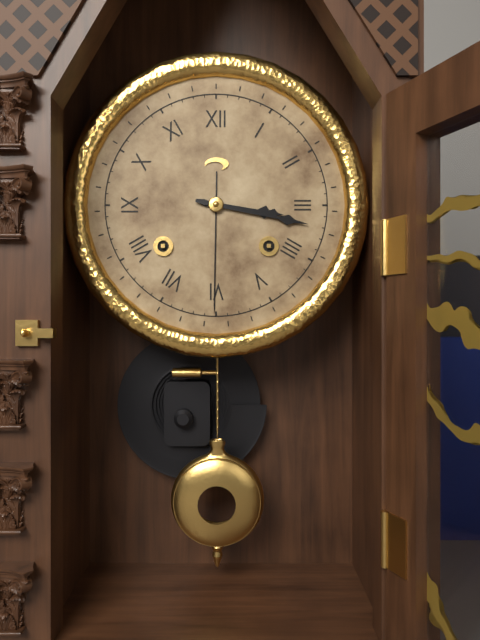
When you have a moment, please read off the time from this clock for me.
3:17
